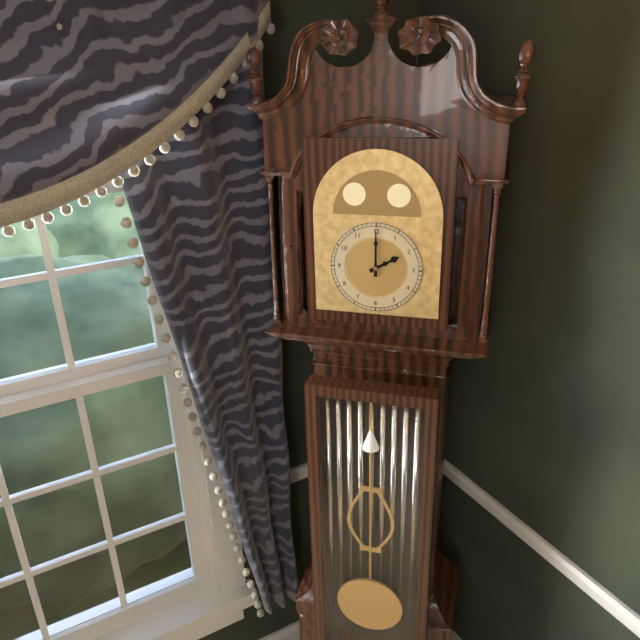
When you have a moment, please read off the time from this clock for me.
2:00
